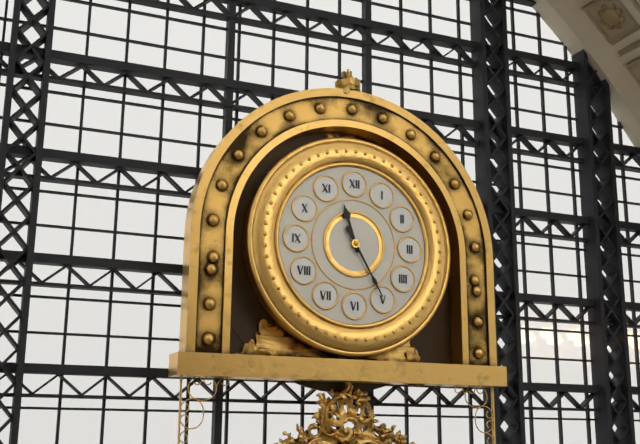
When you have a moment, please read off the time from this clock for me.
11:25
